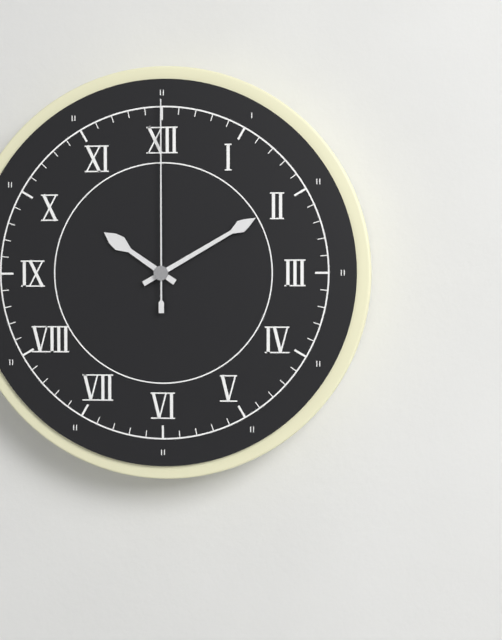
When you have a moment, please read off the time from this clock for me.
10:10:00
